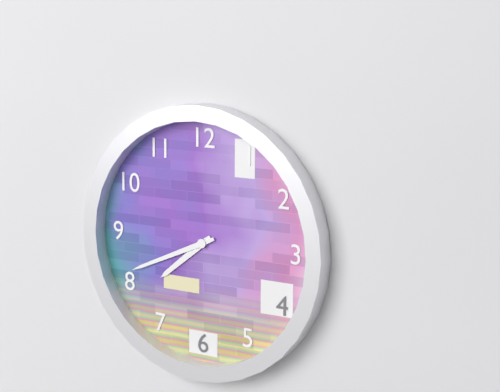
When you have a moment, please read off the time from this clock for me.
7:41
